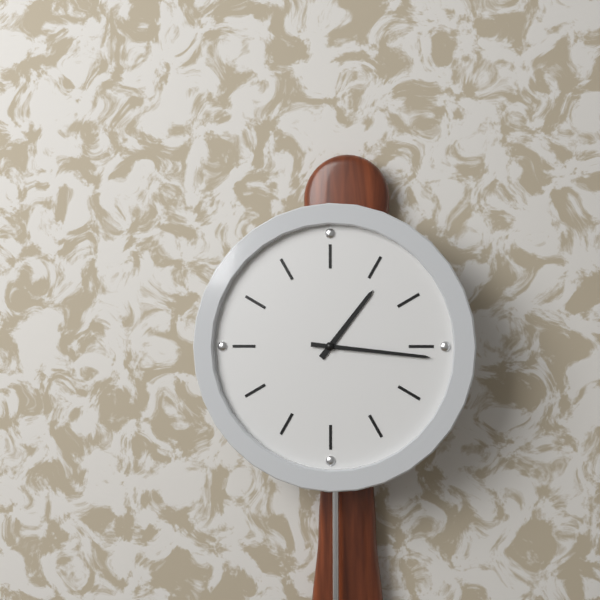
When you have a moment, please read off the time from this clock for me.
1:16
